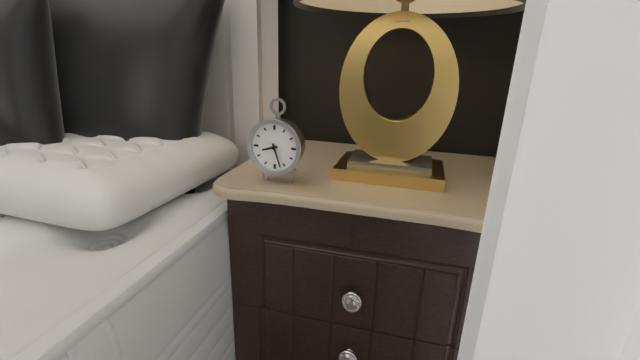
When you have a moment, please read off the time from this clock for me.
8:27
